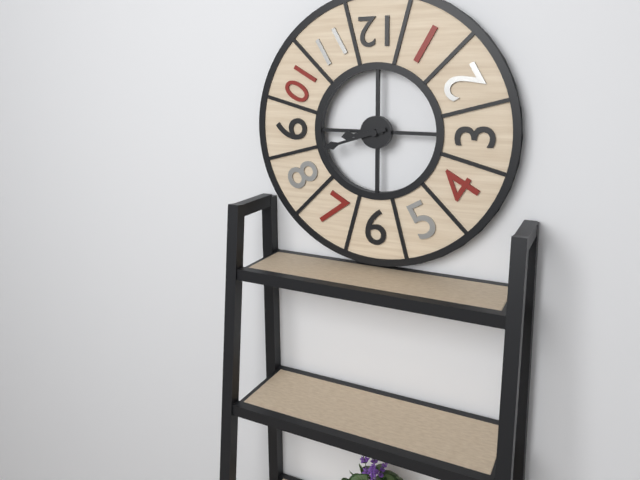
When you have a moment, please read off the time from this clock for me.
8:42
